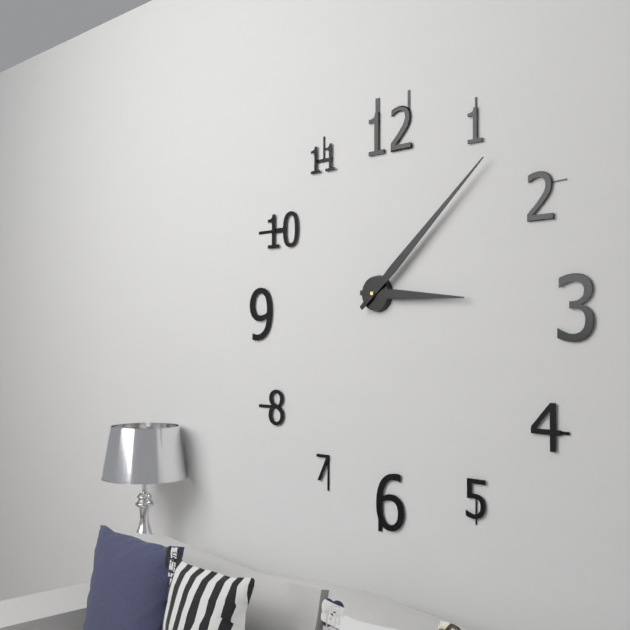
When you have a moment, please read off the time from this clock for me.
3:08
